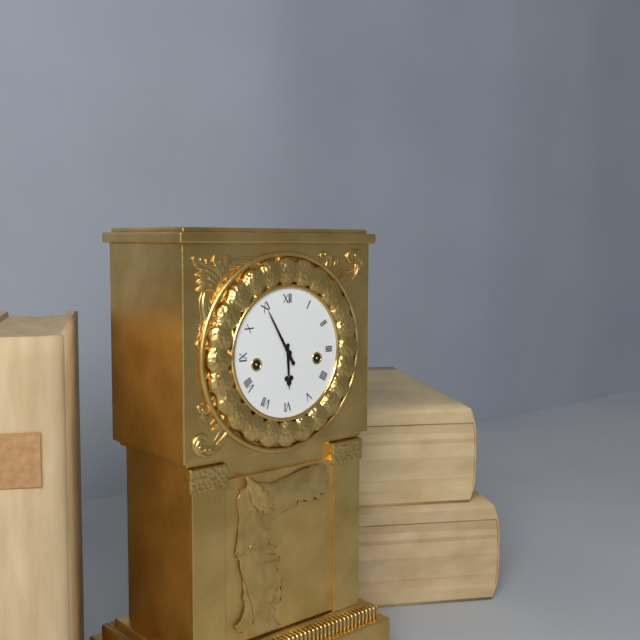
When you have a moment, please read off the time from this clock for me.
5:55
